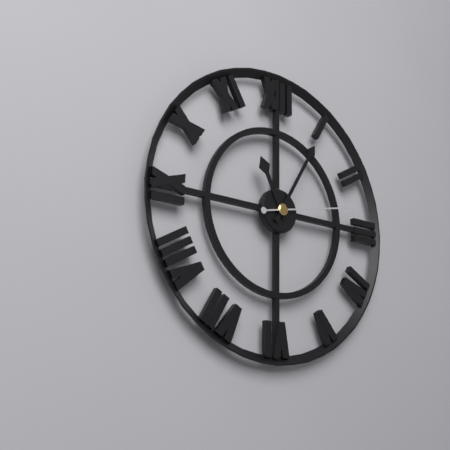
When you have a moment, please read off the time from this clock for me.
11:05:13
